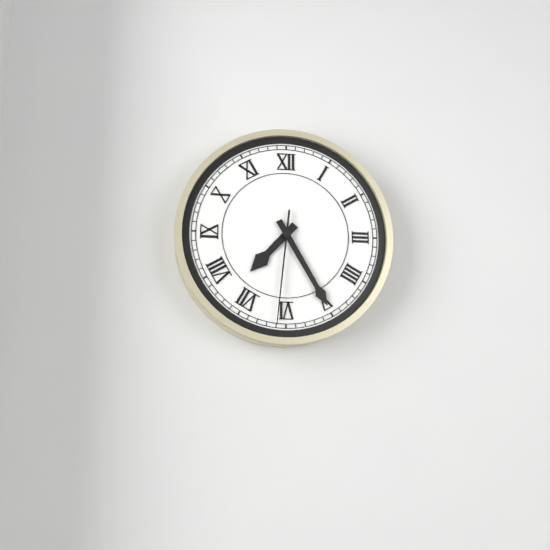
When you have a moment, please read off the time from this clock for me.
7:25:31
